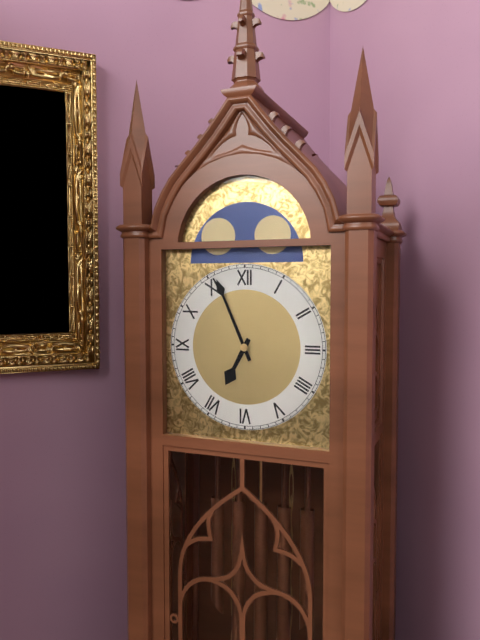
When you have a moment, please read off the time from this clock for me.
6:56
